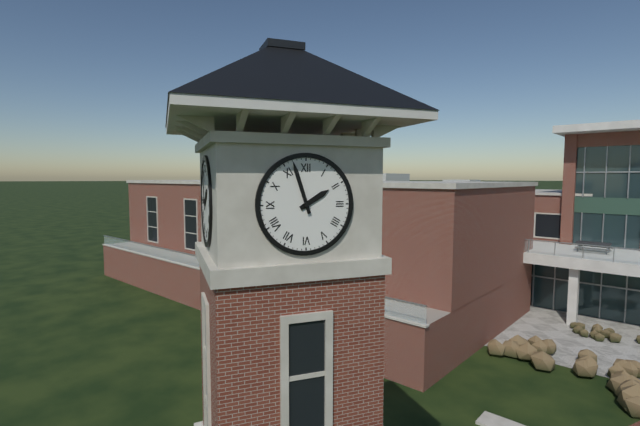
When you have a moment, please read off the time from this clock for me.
1:57
